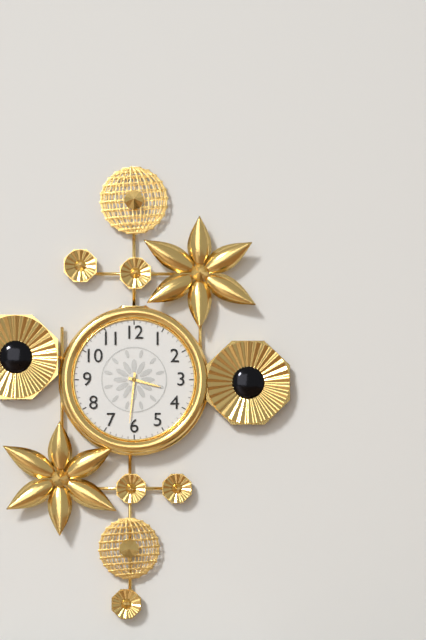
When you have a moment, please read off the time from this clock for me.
3:31
